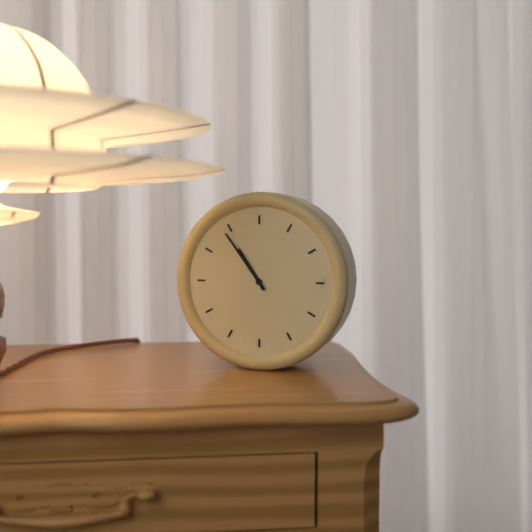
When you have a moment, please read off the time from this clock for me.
10:54
